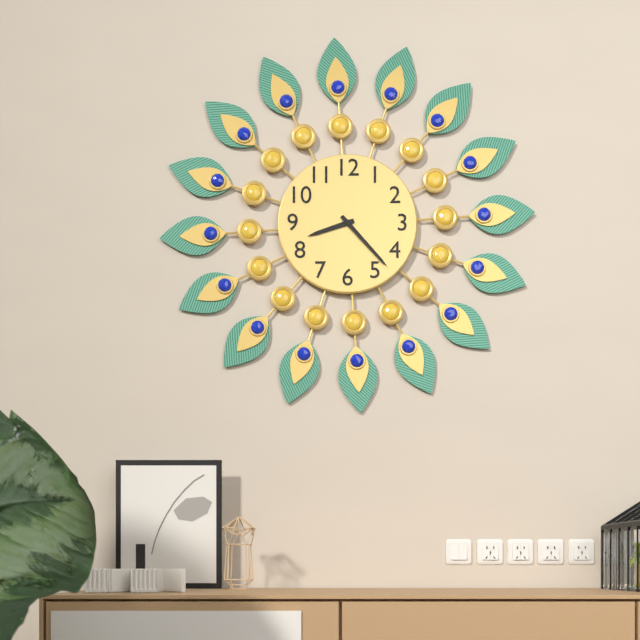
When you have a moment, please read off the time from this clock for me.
8:23
